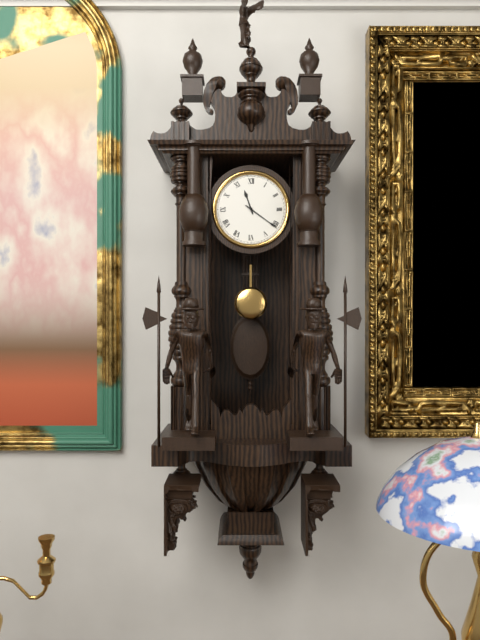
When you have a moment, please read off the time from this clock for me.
11:21
